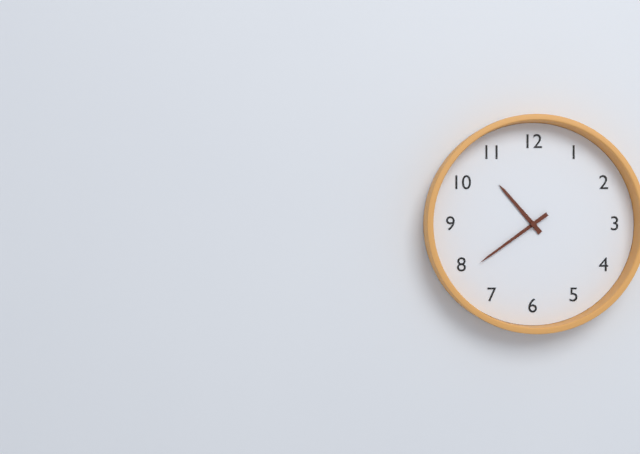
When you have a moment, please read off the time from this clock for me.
10:39
